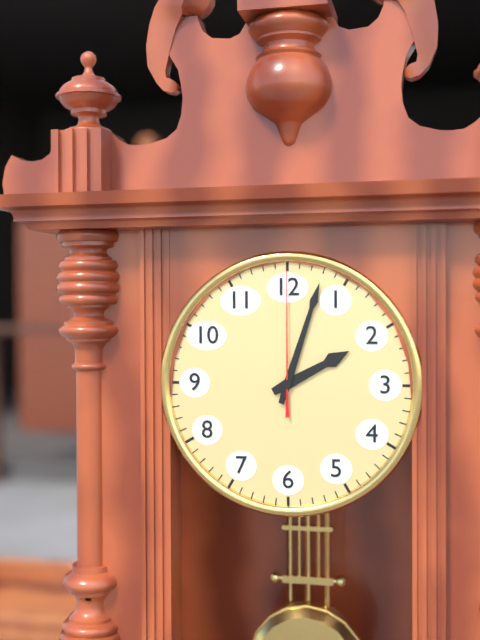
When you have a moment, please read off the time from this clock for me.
2:03:00
